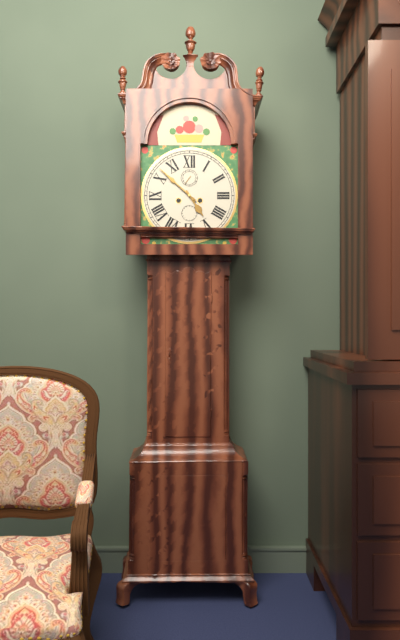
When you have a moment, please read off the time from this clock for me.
4:52
